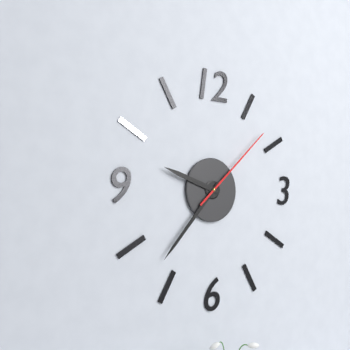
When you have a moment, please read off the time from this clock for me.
9:37:08
